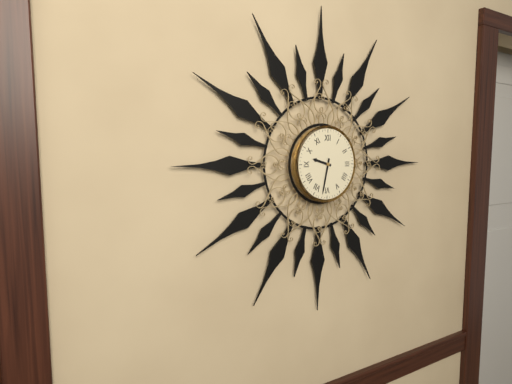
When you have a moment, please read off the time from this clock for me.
9:32
